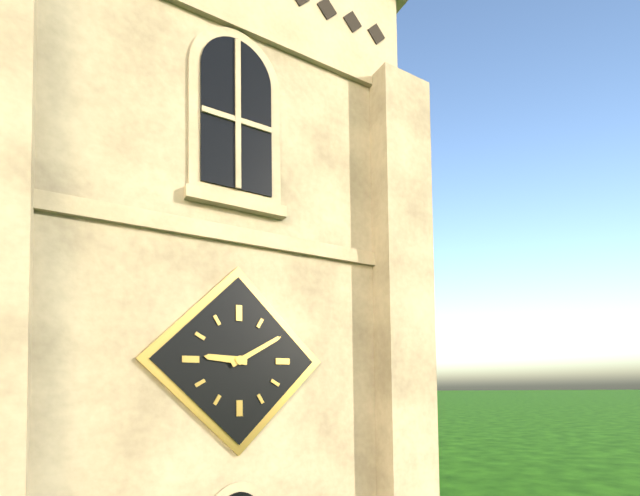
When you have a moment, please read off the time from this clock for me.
9:10
